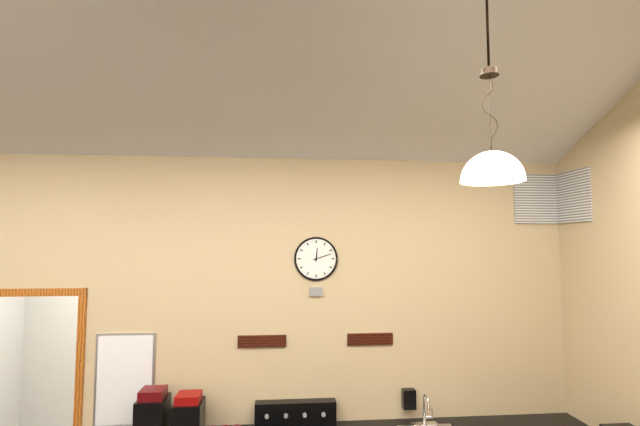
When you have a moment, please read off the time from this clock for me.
12:12
